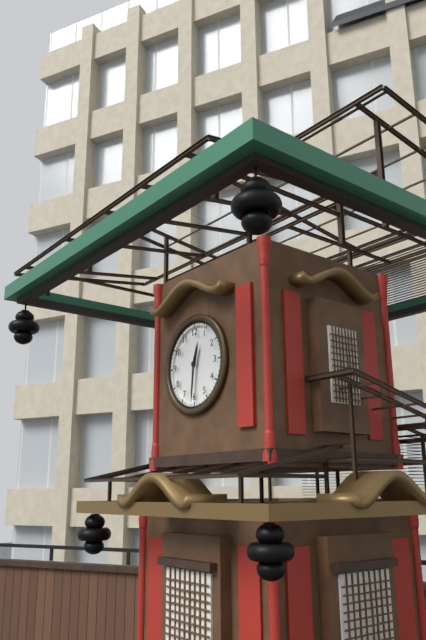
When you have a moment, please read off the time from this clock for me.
12:31
